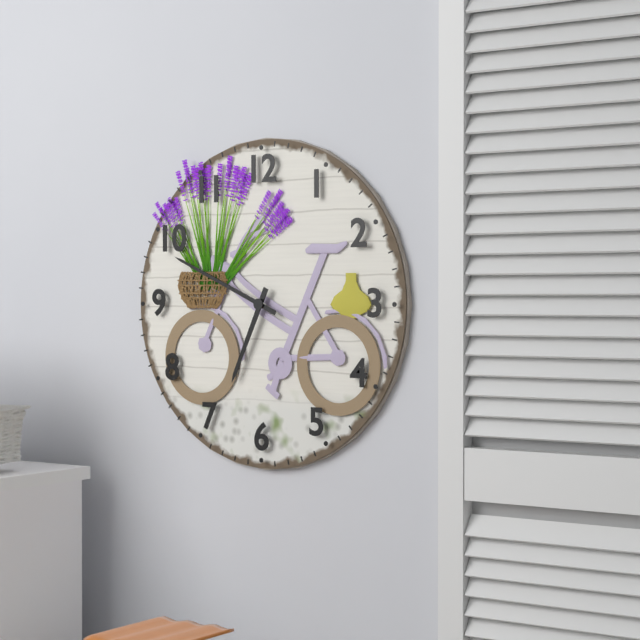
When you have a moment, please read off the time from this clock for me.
6:49
